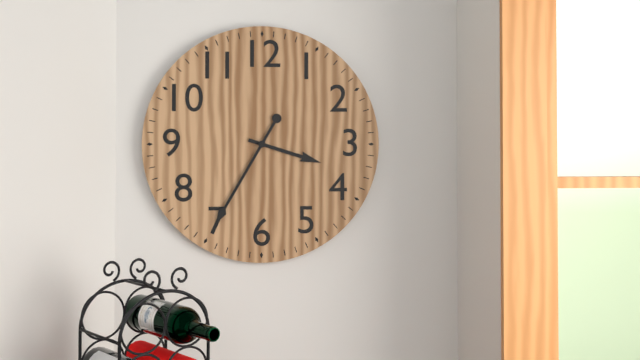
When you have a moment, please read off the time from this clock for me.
3:35
